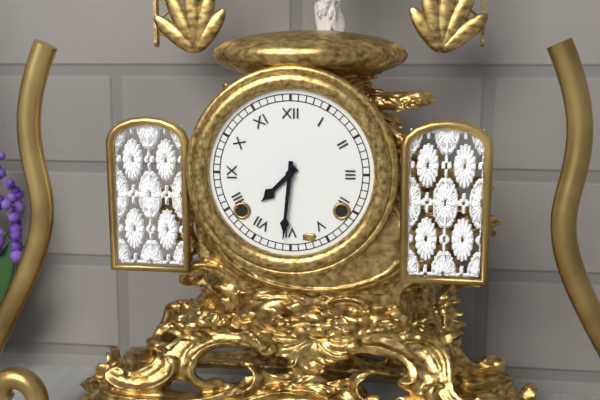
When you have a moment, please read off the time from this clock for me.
7:31
